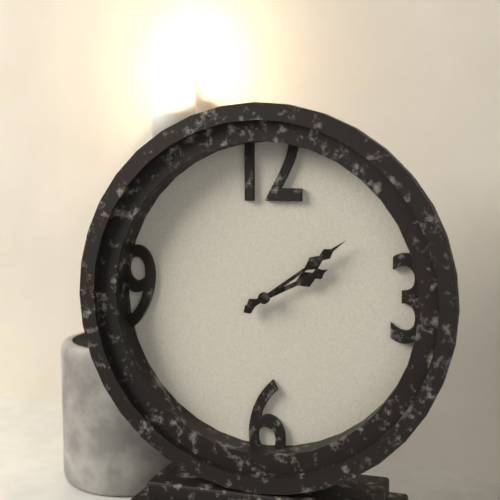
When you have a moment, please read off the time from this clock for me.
2:09
